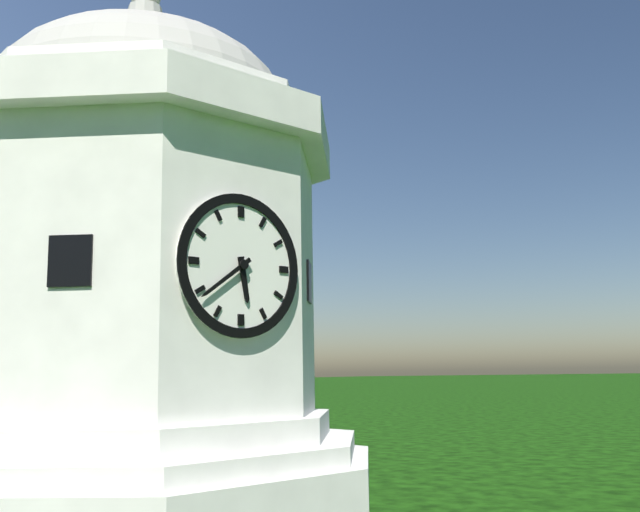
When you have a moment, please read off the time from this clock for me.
5:39
